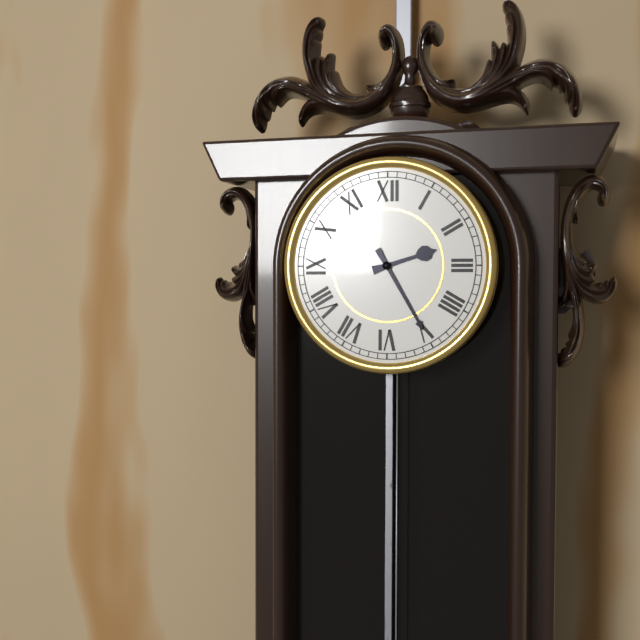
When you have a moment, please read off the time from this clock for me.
2:25
